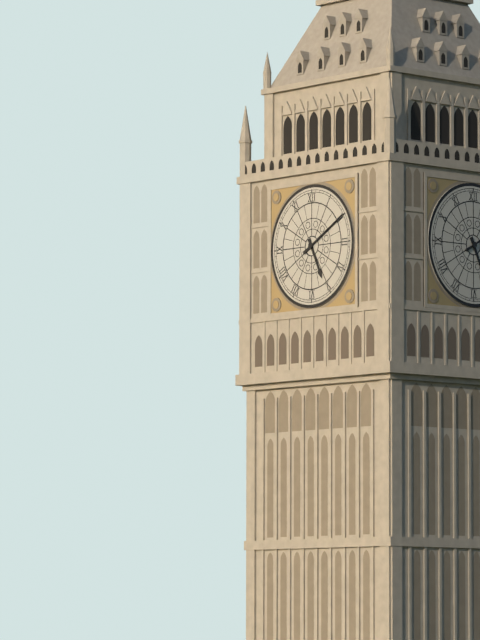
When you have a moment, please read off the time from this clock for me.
5:10
